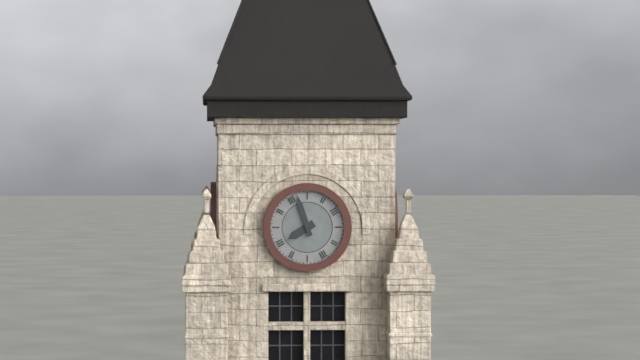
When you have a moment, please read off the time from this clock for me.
7:57
